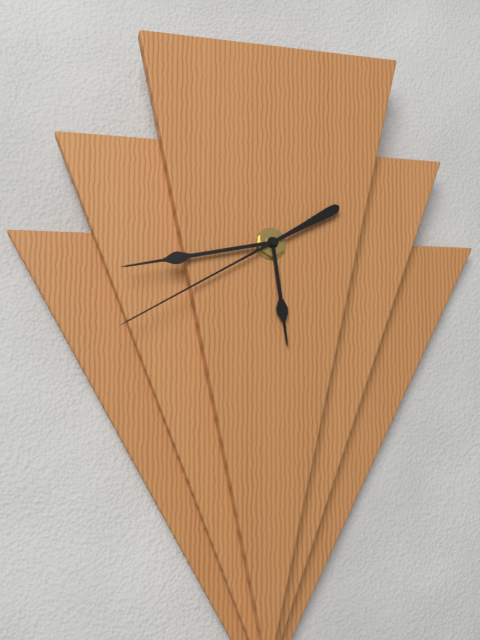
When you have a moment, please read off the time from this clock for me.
5:43:40
